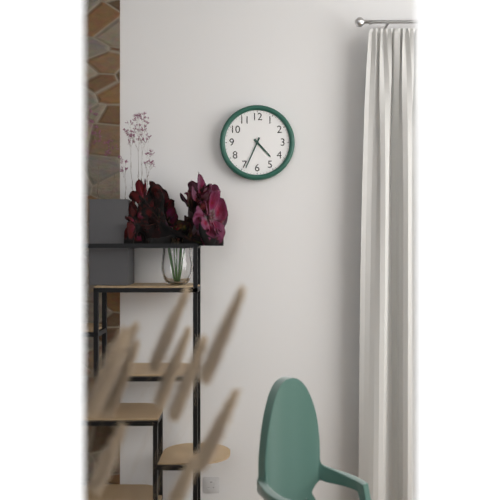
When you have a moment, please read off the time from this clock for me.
4:34
